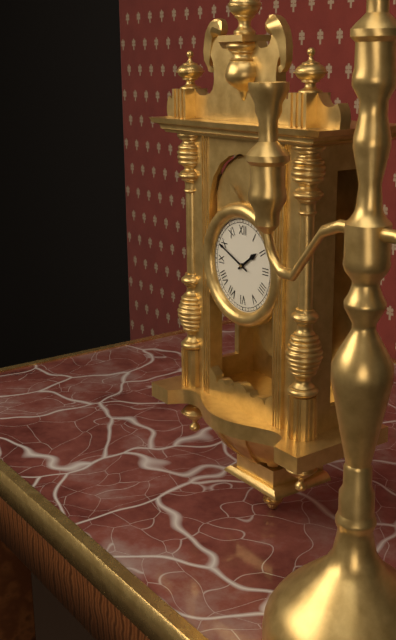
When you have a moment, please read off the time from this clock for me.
1:49
